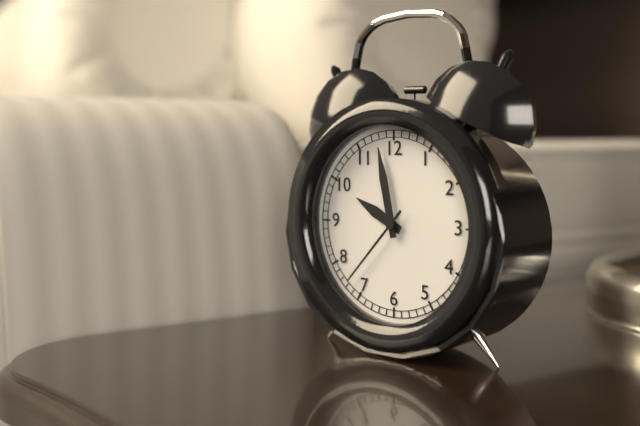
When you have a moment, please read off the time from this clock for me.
9:58:37
